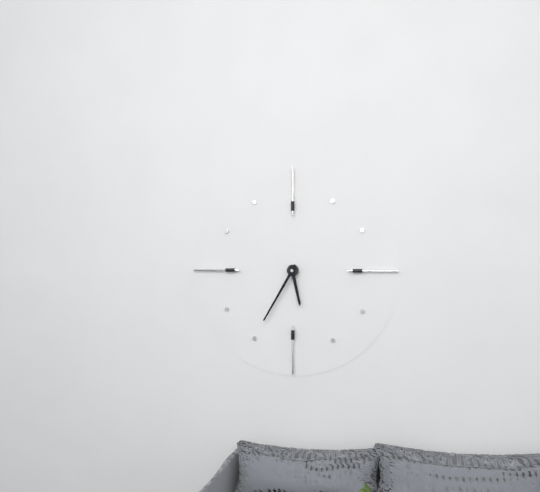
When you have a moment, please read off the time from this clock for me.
5:35
